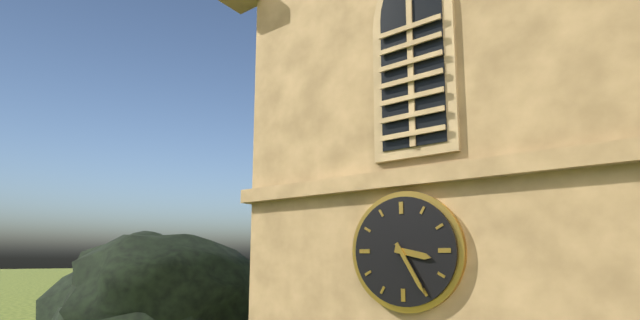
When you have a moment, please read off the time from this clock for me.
3:25
